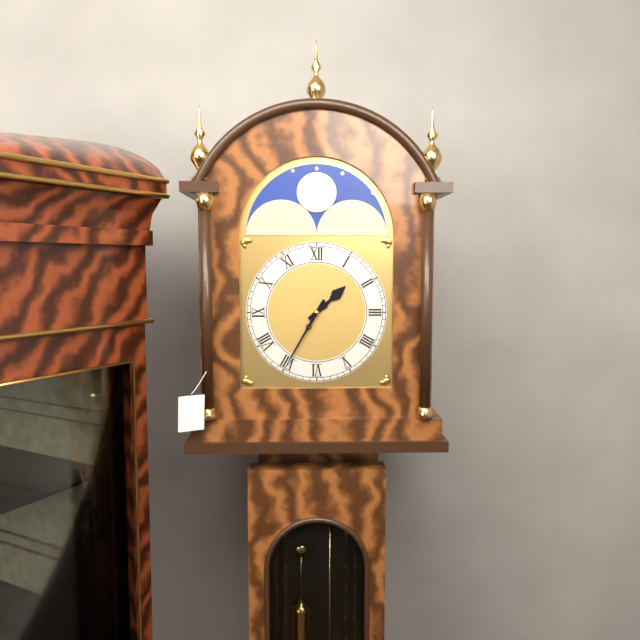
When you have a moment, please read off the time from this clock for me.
1:35
